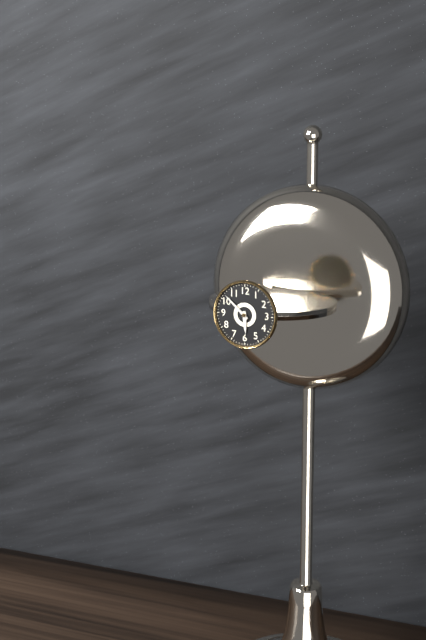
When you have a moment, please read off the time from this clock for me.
5:52
